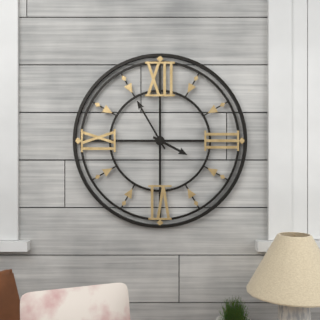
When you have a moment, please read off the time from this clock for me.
3:55
